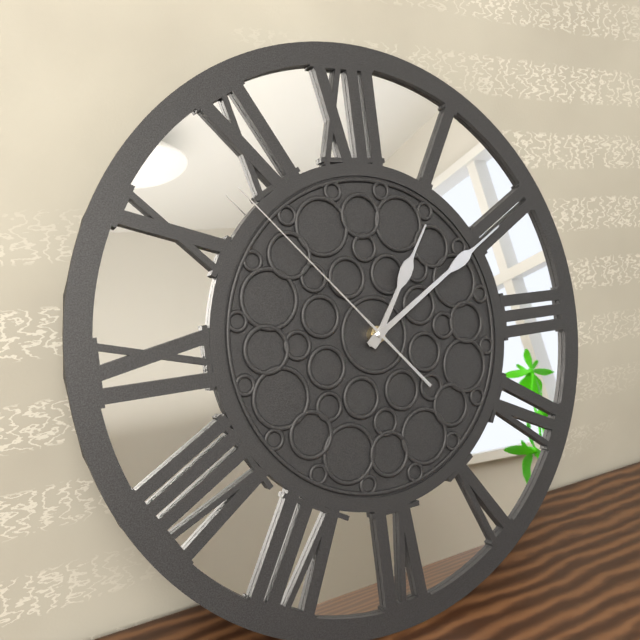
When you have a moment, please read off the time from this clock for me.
1:10:53
